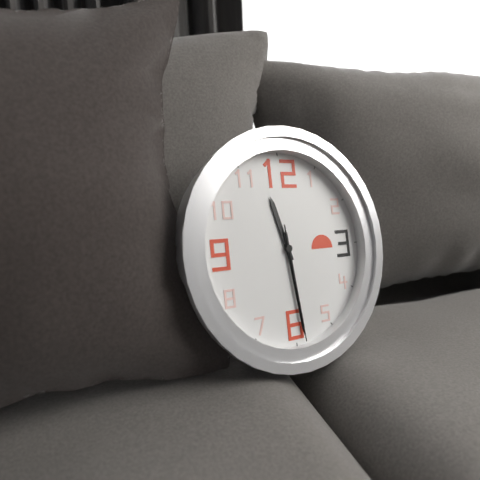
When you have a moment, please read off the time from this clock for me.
11:29:29
